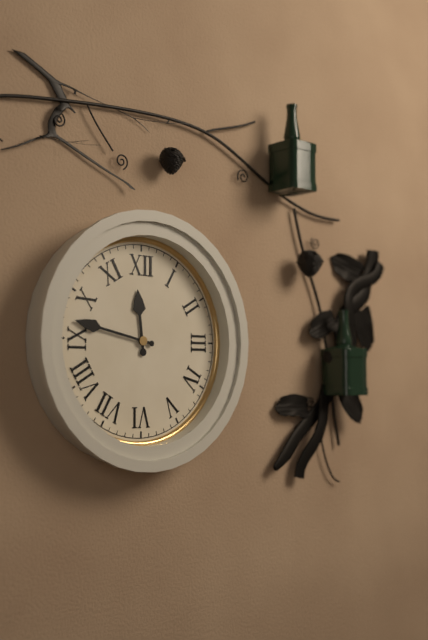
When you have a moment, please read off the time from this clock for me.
11:47
